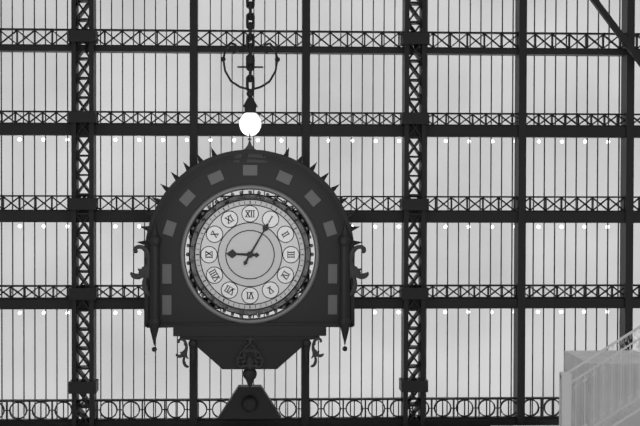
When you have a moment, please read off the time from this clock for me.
9:05
